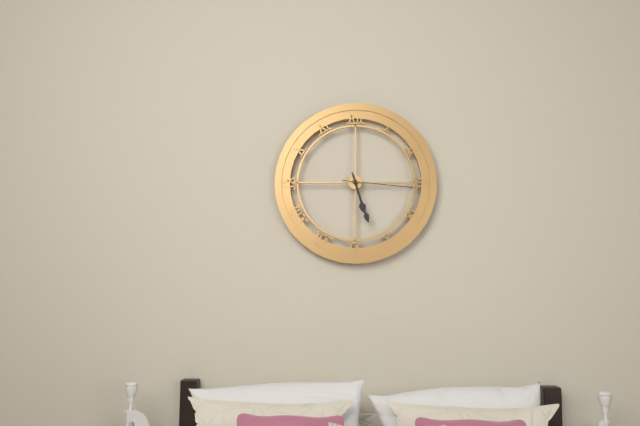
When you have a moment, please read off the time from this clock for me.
5:27:16
